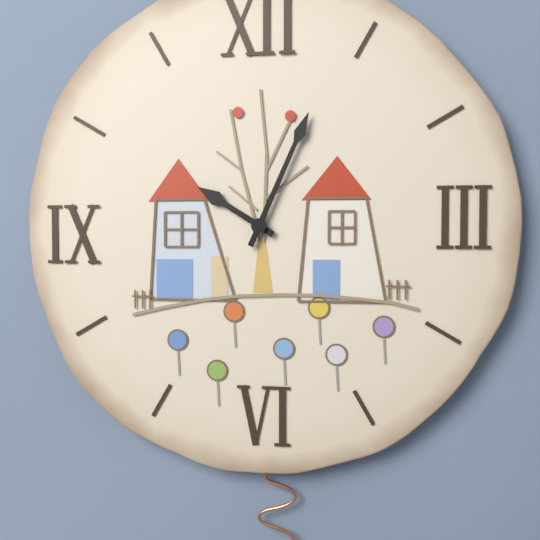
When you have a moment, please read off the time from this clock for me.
10:04
